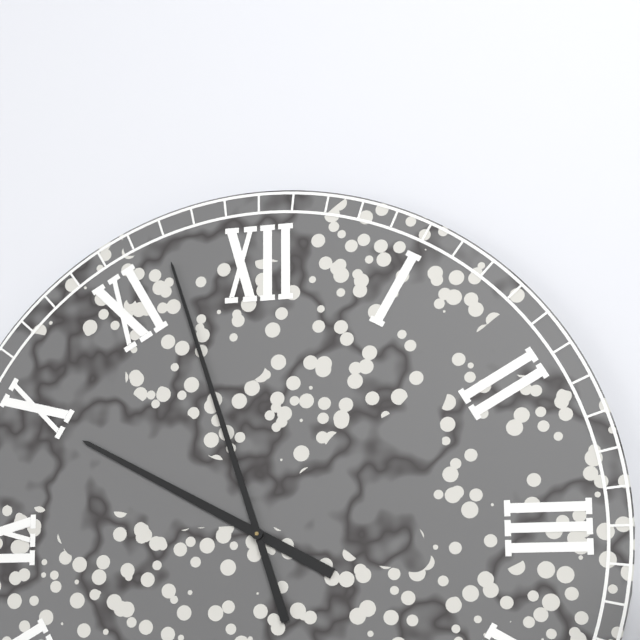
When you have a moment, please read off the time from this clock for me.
9:57
